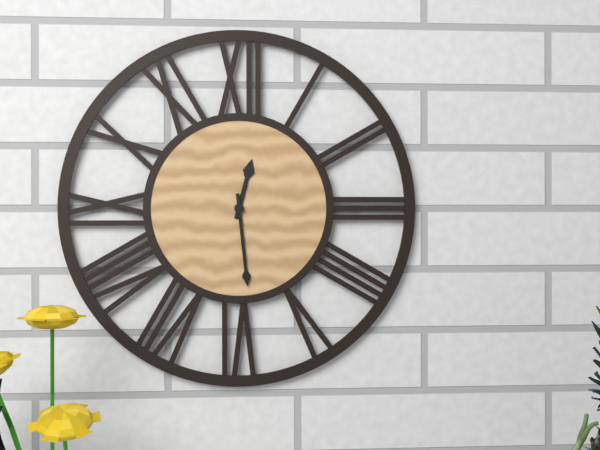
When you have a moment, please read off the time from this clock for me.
12:29
